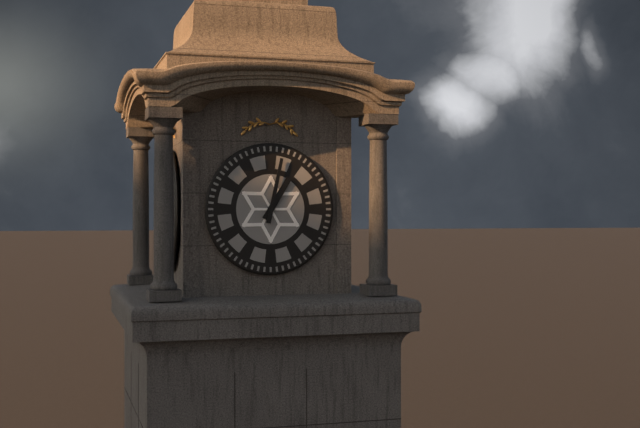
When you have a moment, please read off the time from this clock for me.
1:02
